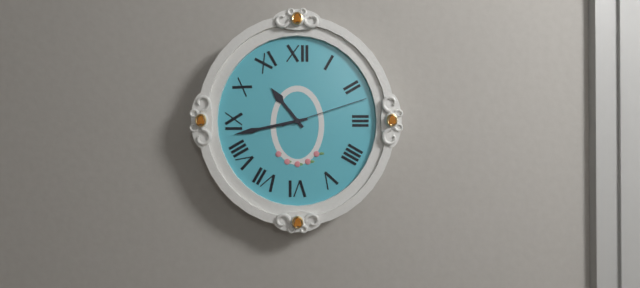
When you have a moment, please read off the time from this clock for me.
10:43:12
